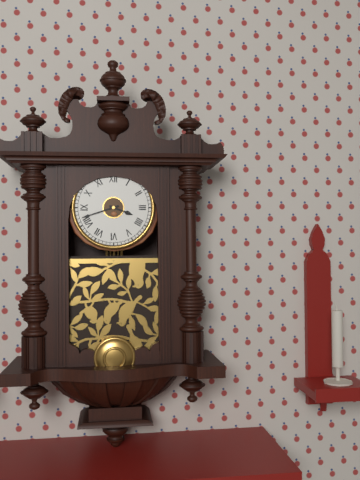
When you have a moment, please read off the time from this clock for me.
3:42
